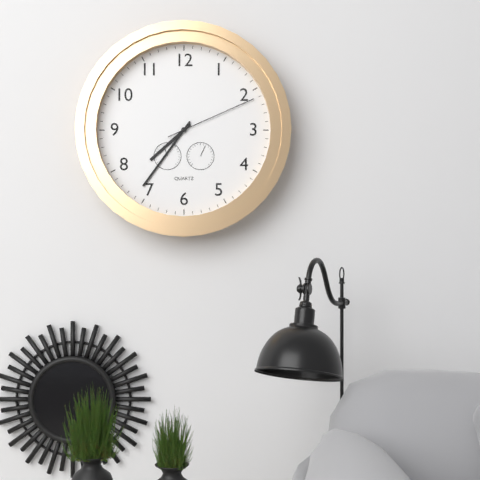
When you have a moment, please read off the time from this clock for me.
7:36:11
